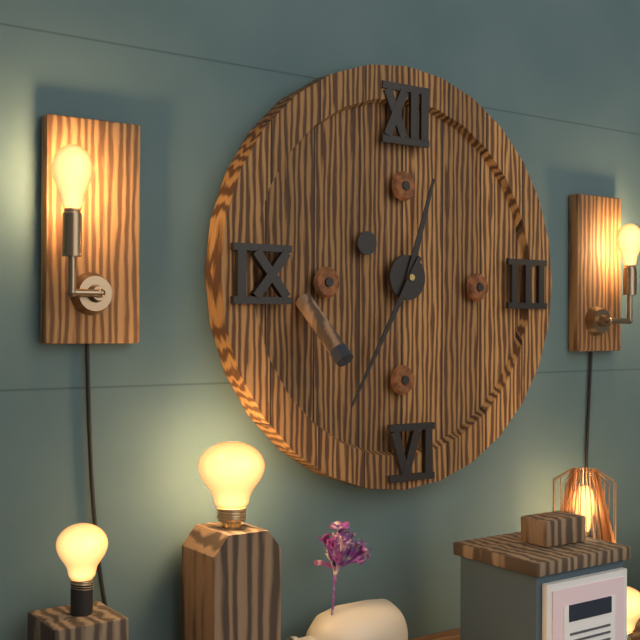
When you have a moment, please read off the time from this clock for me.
12:35
